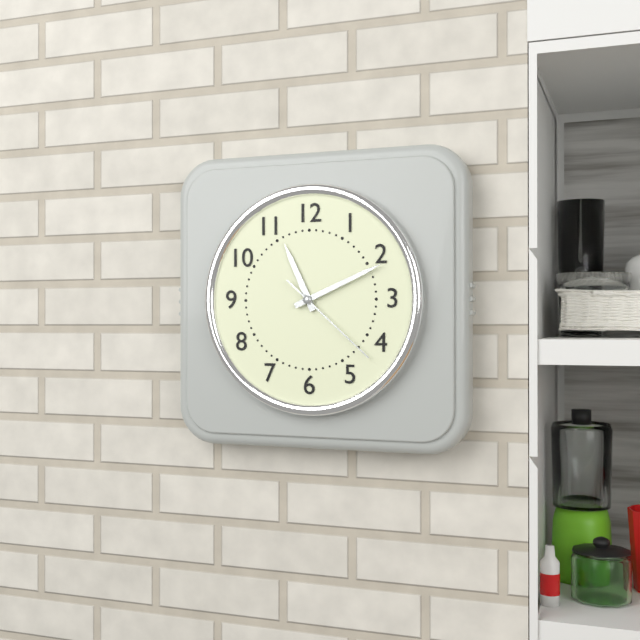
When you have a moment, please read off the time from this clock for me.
11:11:22
